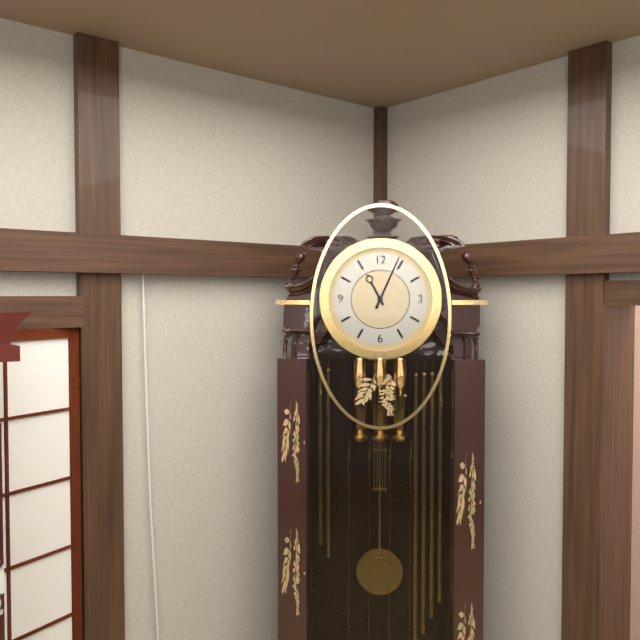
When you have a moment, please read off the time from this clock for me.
11:04
